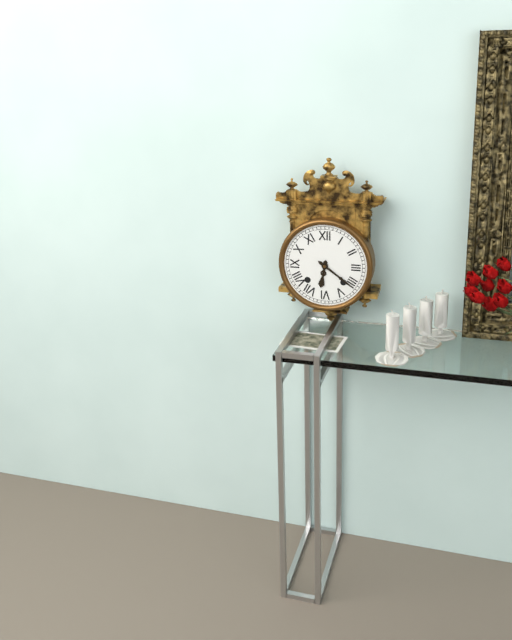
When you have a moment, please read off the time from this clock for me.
6:21
